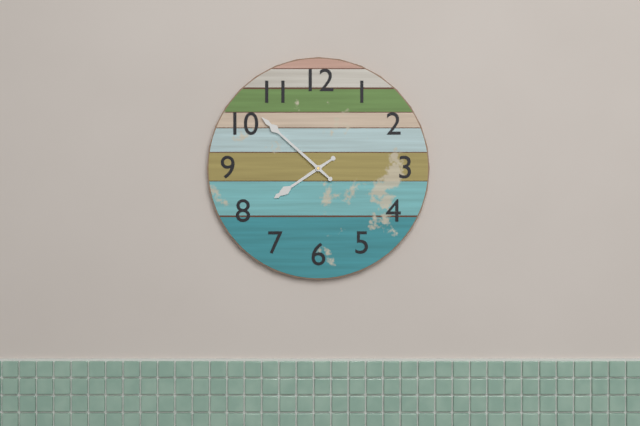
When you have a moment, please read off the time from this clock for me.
7:52
